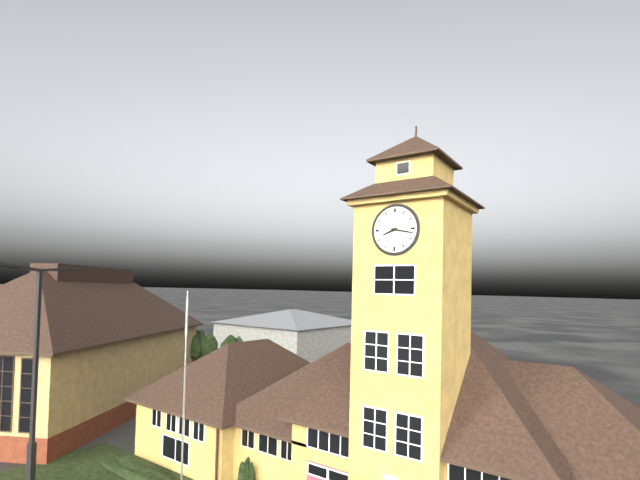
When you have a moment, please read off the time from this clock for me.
8:17
